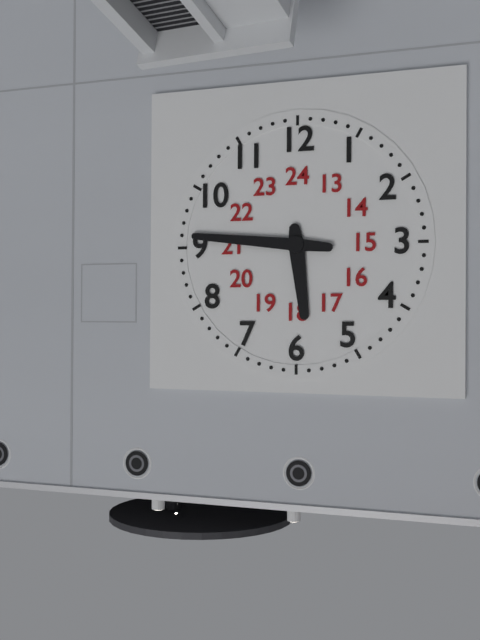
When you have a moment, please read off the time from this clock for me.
5:46
